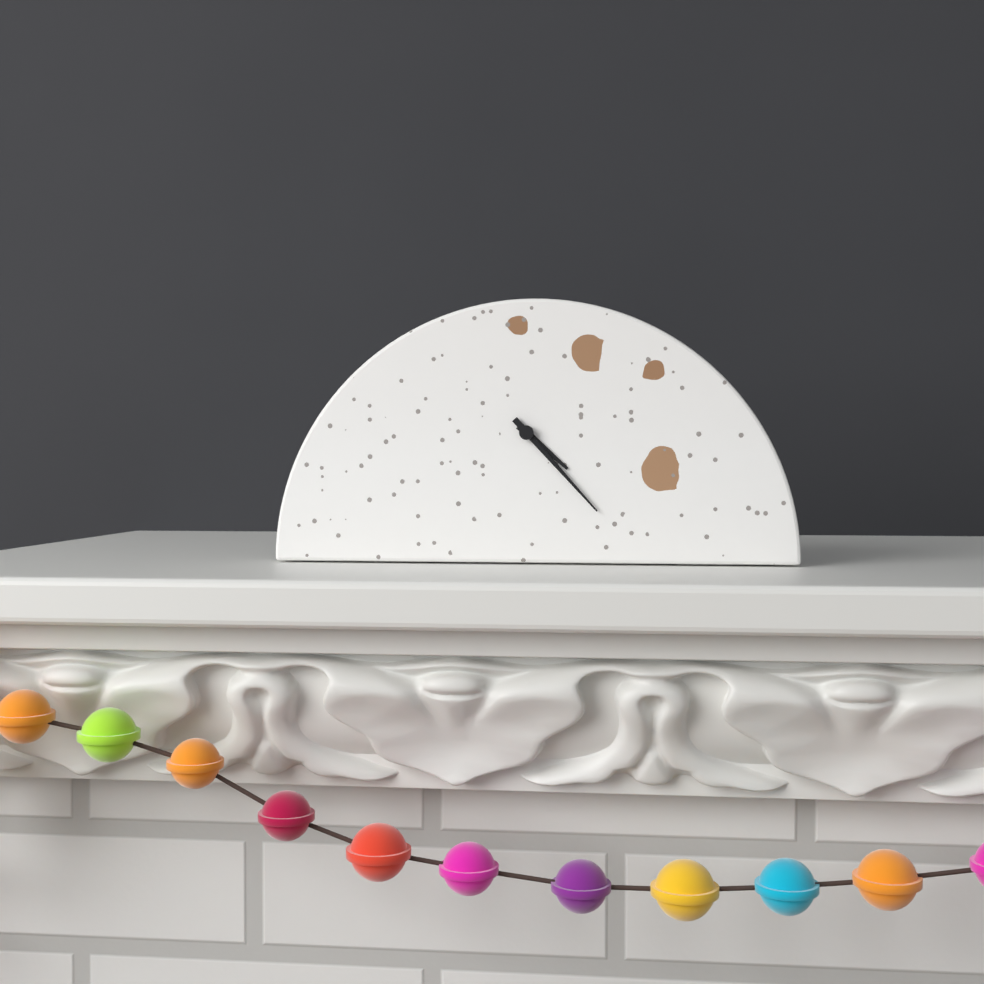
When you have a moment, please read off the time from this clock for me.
4:23
